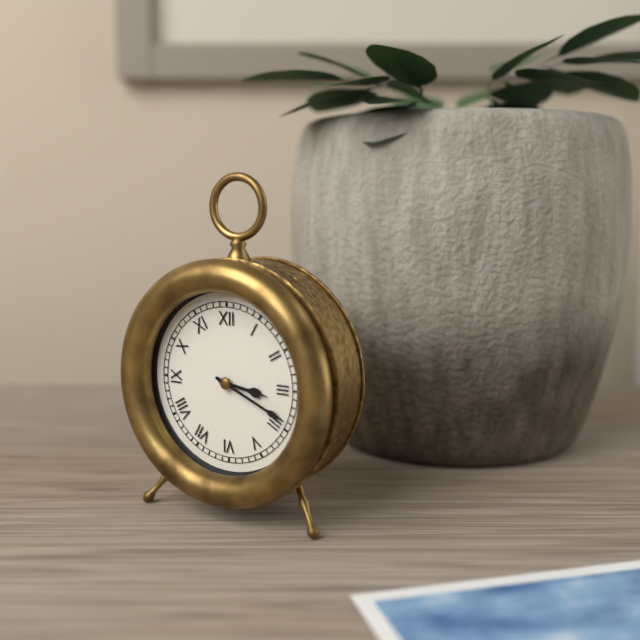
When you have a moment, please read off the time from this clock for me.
3:19
